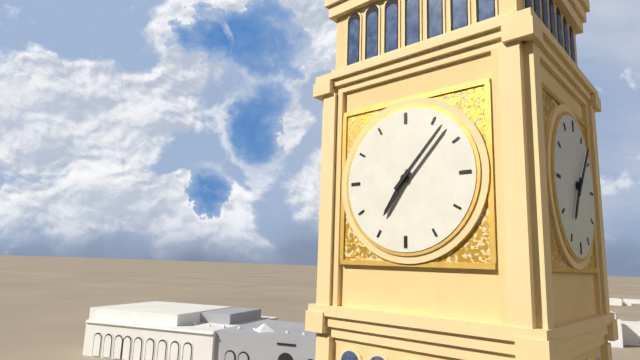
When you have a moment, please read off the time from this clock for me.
7:07
